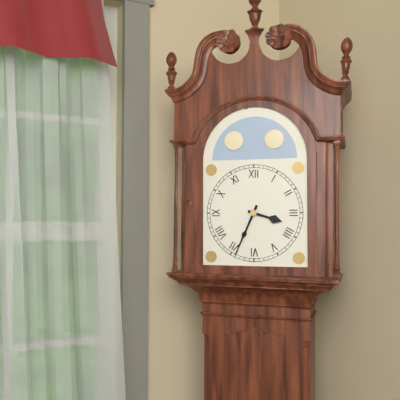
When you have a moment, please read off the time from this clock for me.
3:34
